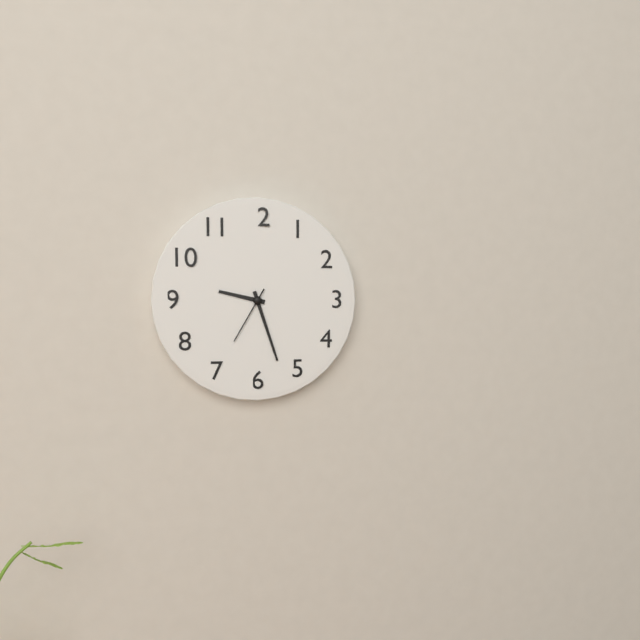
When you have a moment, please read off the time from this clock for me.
9:27:35
